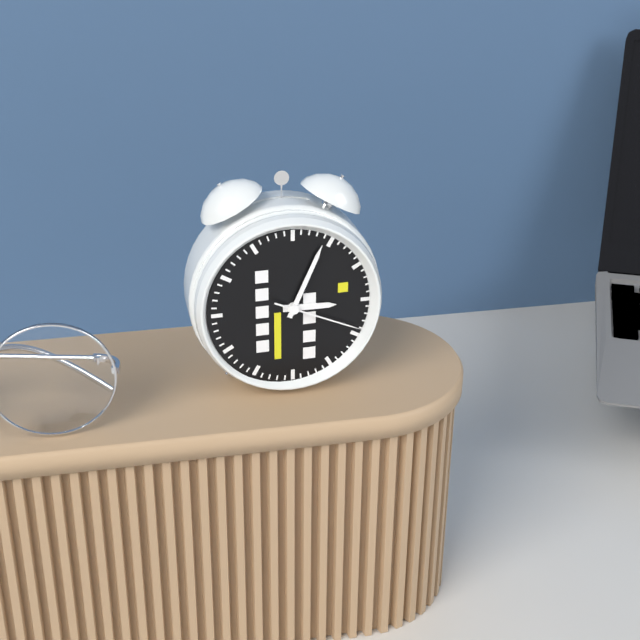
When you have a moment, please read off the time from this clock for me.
3:04:19
